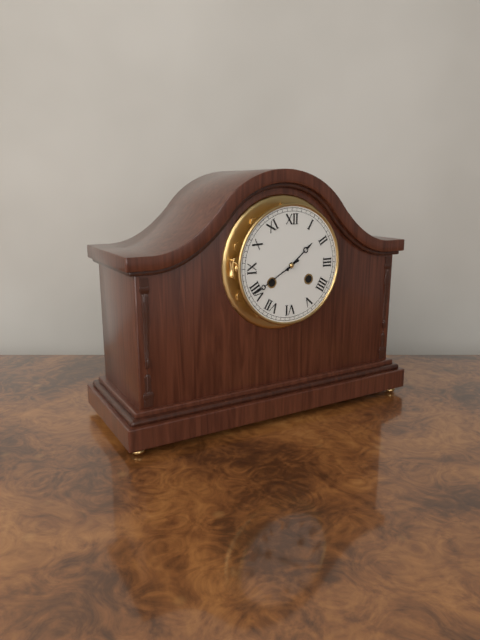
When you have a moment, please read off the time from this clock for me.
1:40
